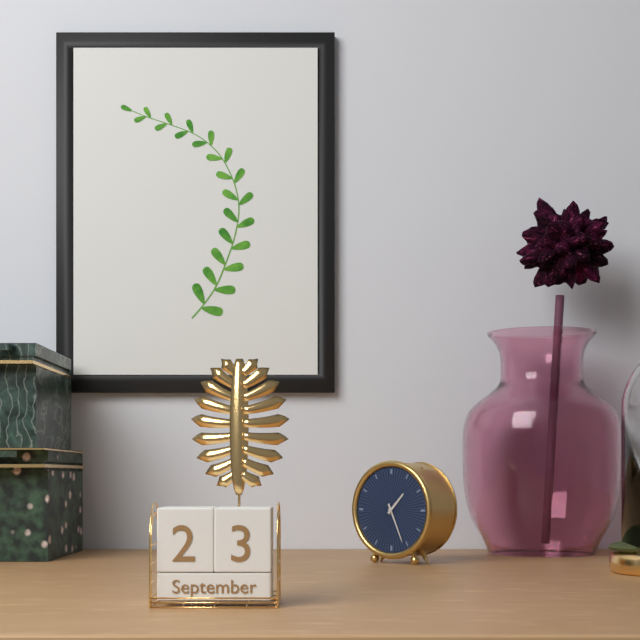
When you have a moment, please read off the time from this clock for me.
1:26
